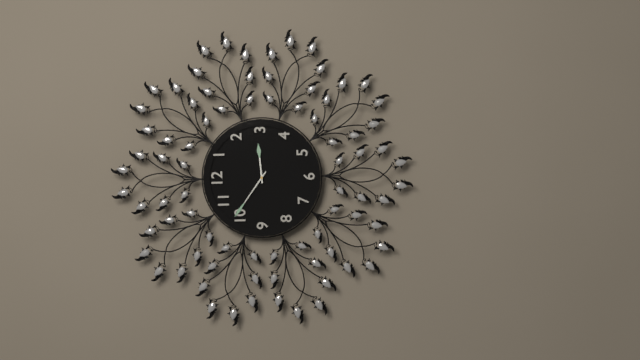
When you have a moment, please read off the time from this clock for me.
2:51
